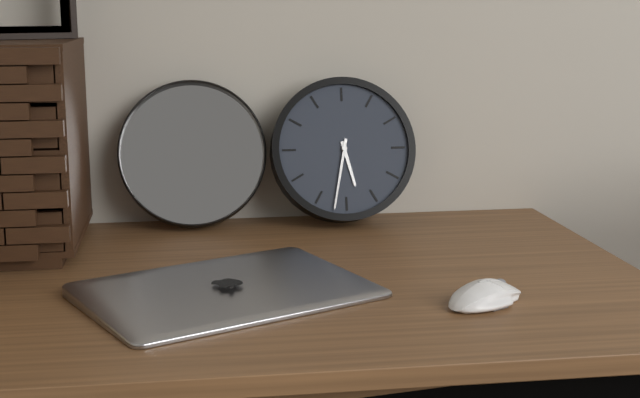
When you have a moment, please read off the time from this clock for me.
5:32
